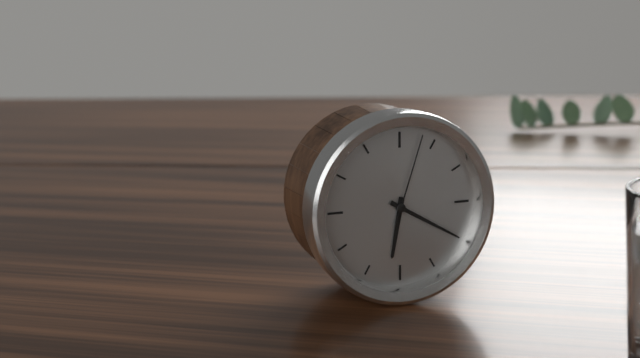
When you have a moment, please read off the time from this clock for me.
6:20:03
